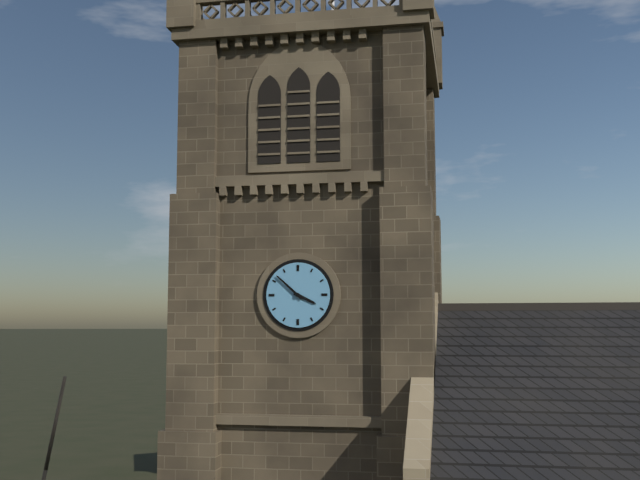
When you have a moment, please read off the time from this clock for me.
3:52
